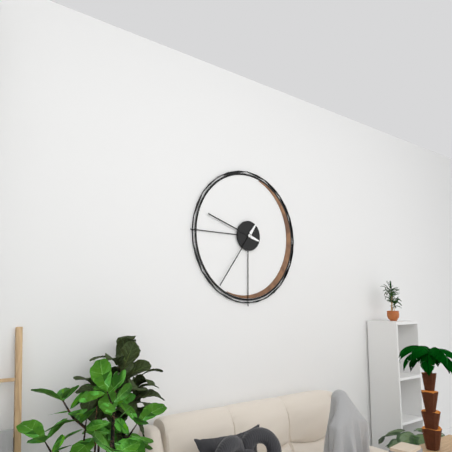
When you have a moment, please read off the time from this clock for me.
9:36
